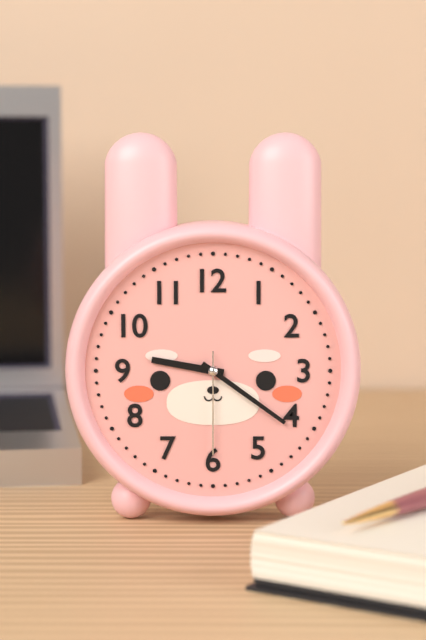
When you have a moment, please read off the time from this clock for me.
9:21:30
